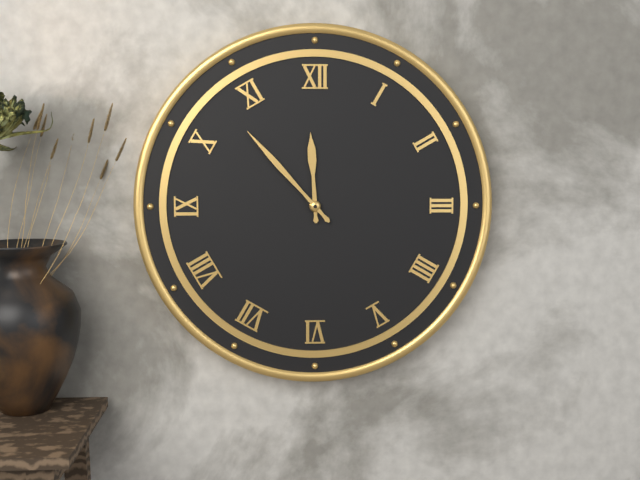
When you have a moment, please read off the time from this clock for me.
11:53
